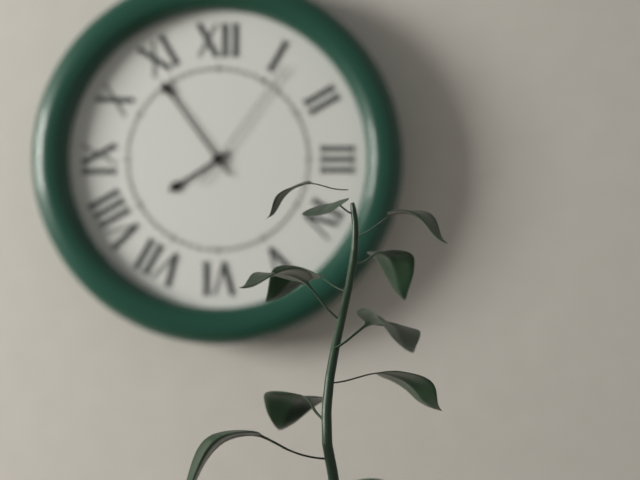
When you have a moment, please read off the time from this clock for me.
7:54:06
